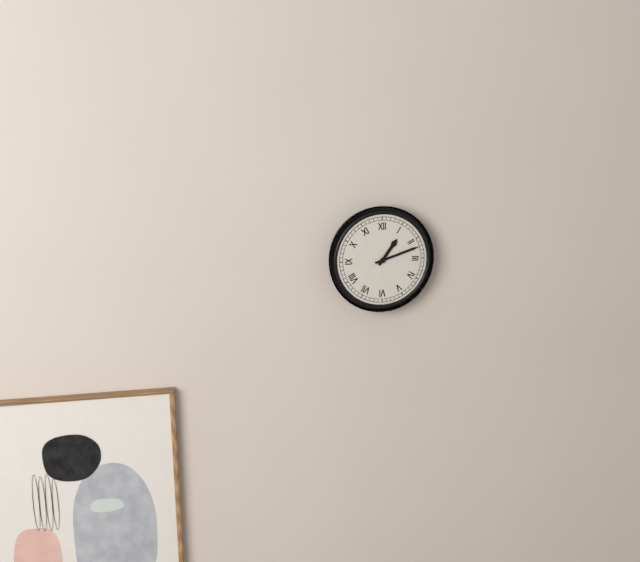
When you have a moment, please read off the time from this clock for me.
1:12
